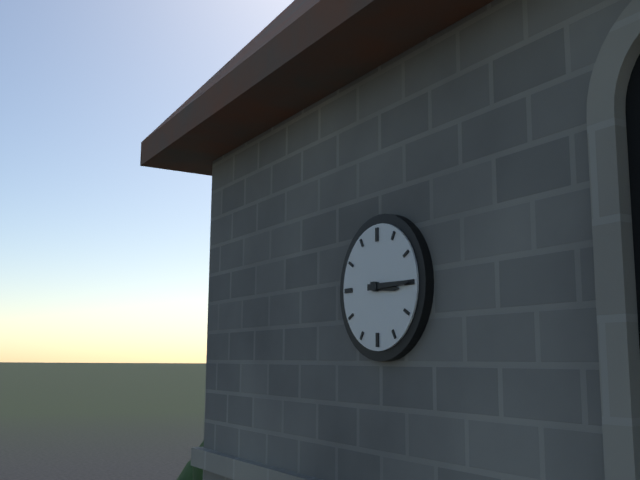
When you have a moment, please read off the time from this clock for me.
3:15
